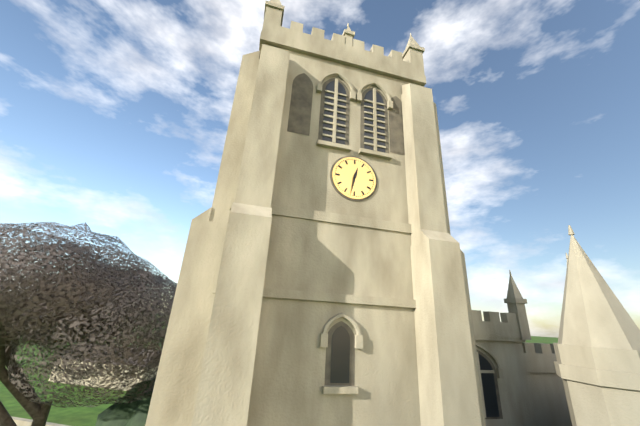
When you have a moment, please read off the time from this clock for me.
12:32
